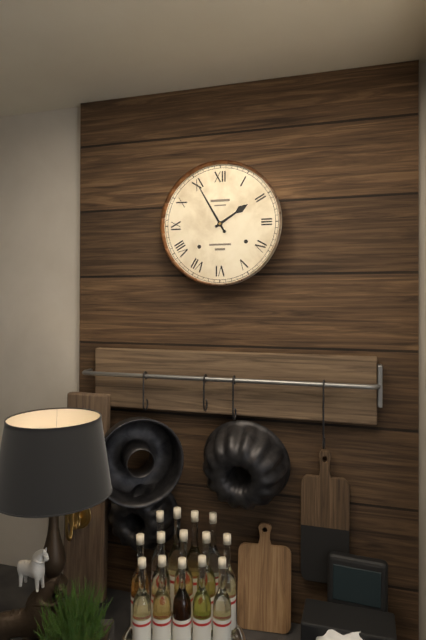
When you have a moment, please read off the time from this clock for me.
1:55
